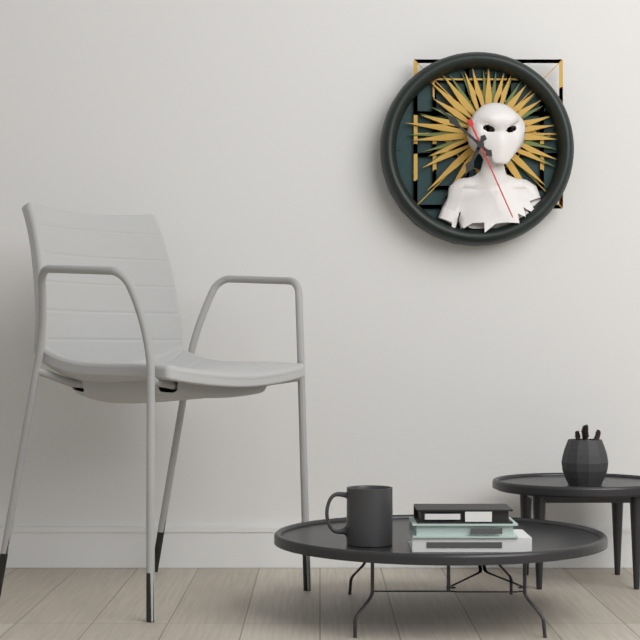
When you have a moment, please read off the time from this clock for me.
6:52:26
